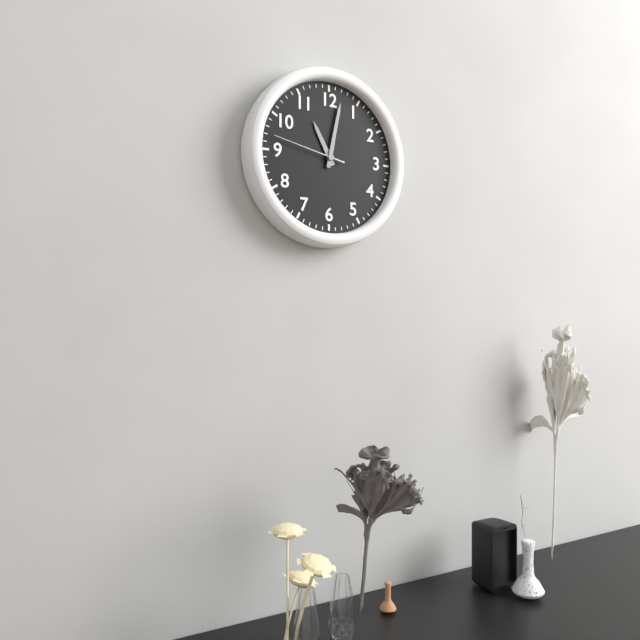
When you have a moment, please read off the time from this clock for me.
11:02:47
